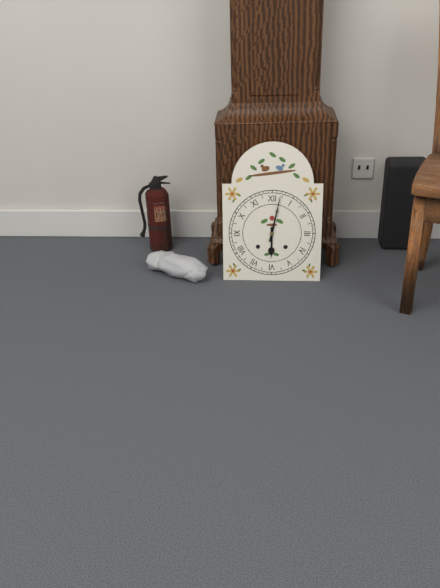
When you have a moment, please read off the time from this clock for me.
6:02
